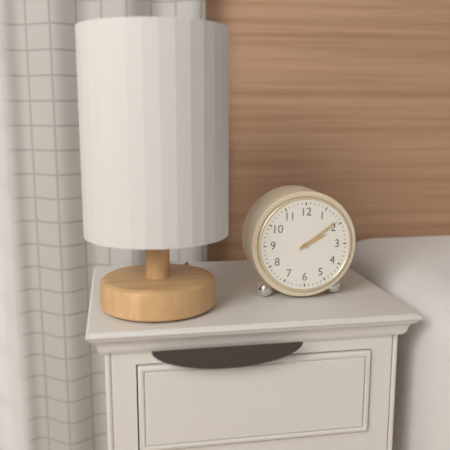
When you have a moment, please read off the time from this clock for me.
2:09
